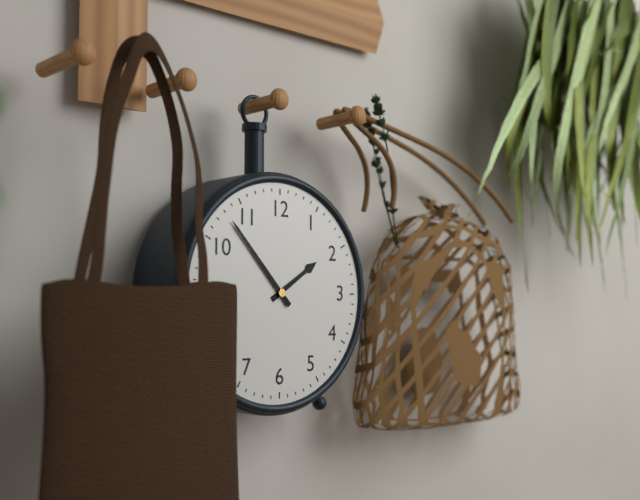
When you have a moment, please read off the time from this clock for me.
1:53
